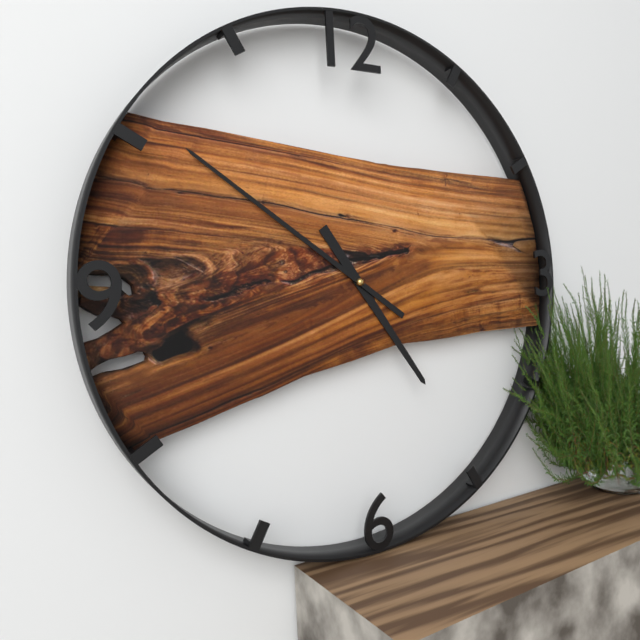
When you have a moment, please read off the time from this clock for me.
4:51
